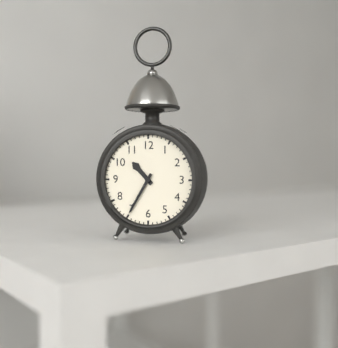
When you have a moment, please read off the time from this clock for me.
10:35
